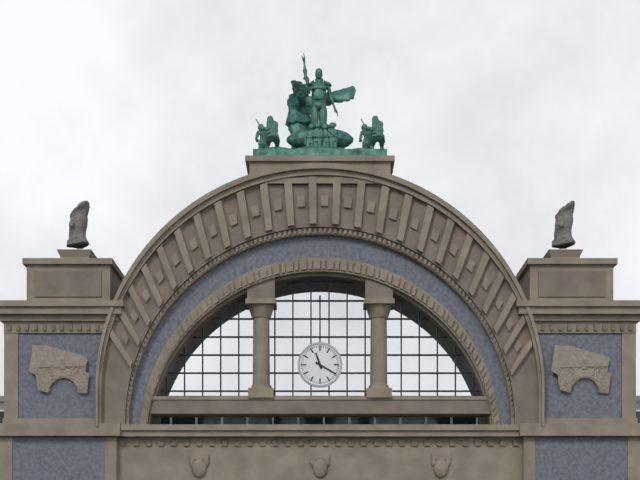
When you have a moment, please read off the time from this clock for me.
11:20
